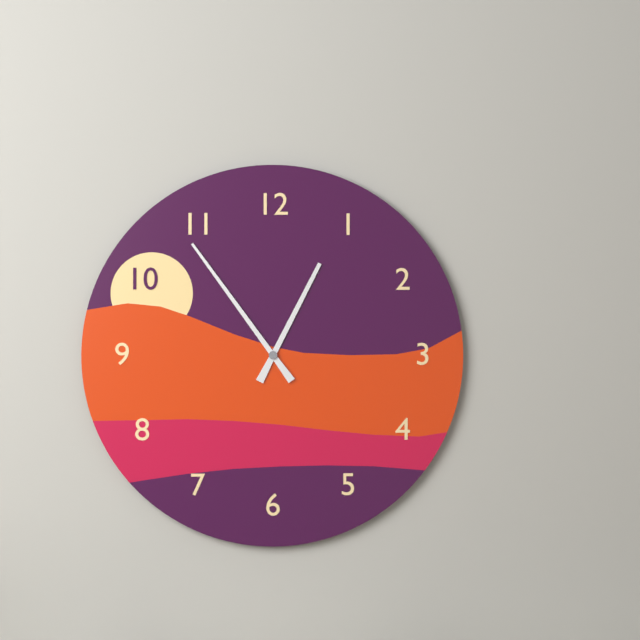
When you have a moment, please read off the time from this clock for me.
12:54
